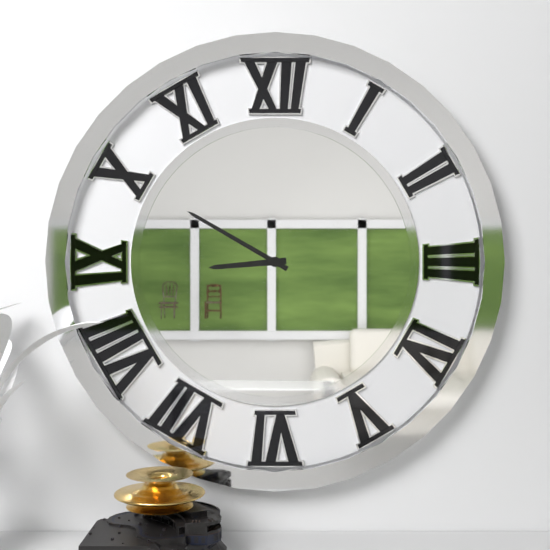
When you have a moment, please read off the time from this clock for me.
8:50
